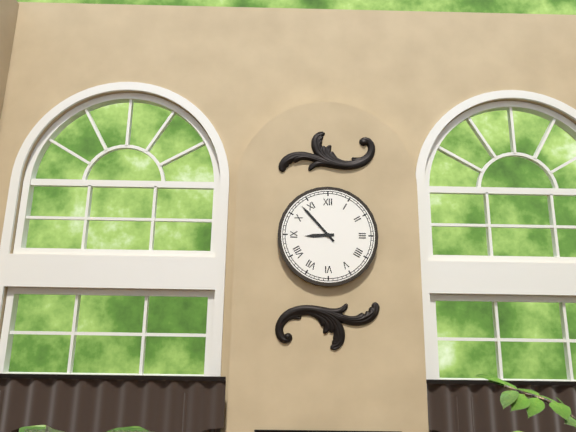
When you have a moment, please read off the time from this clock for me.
8:53
